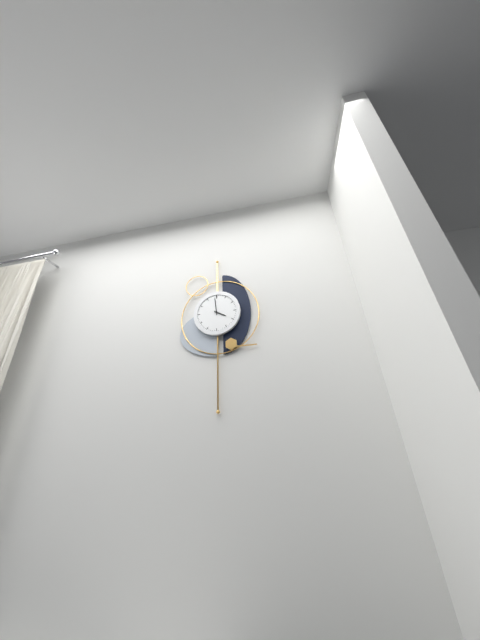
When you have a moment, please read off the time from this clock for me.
3:59
